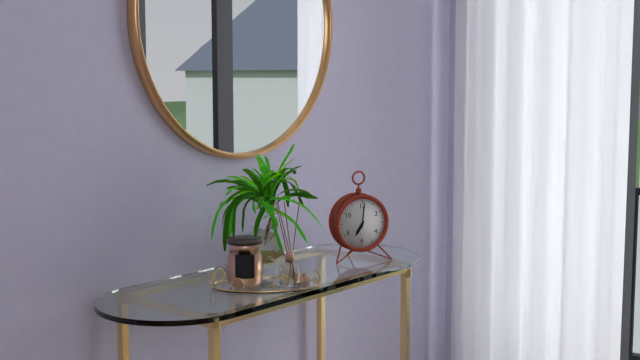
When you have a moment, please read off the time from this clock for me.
7:01
